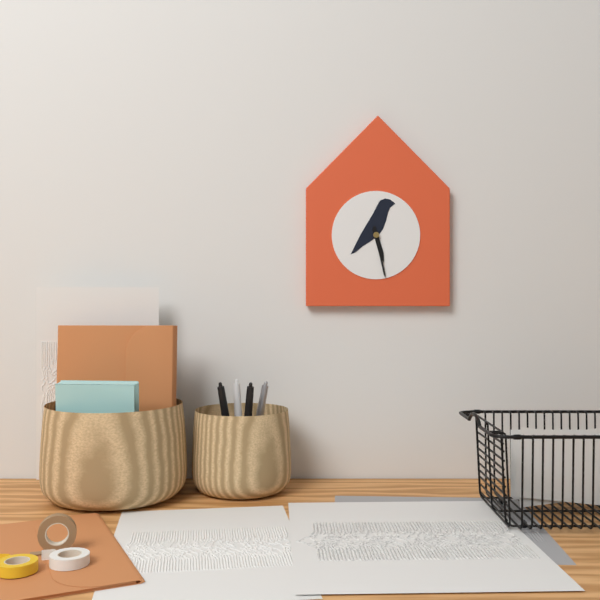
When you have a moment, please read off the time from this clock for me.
5:28
